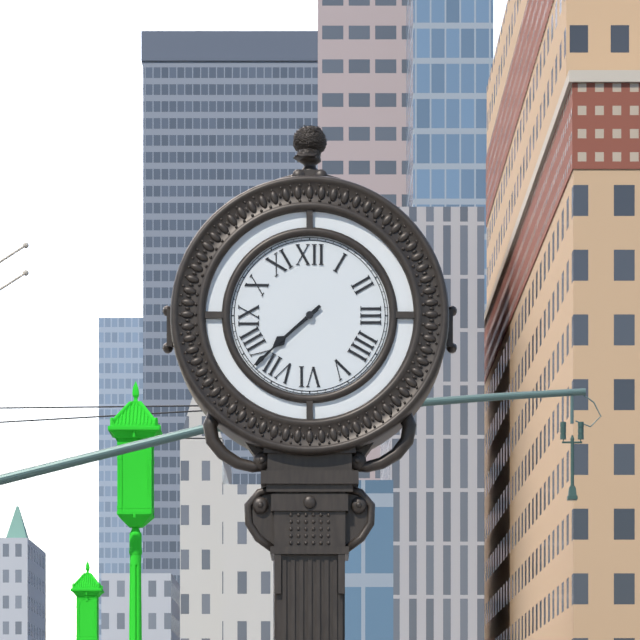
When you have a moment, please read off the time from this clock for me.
7:38
